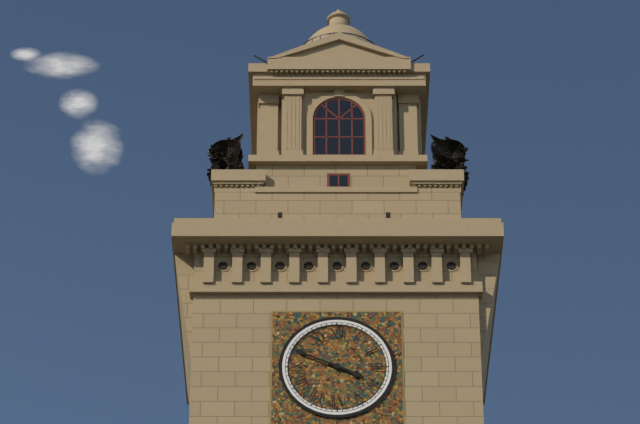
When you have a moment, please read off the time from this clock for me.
3:49
